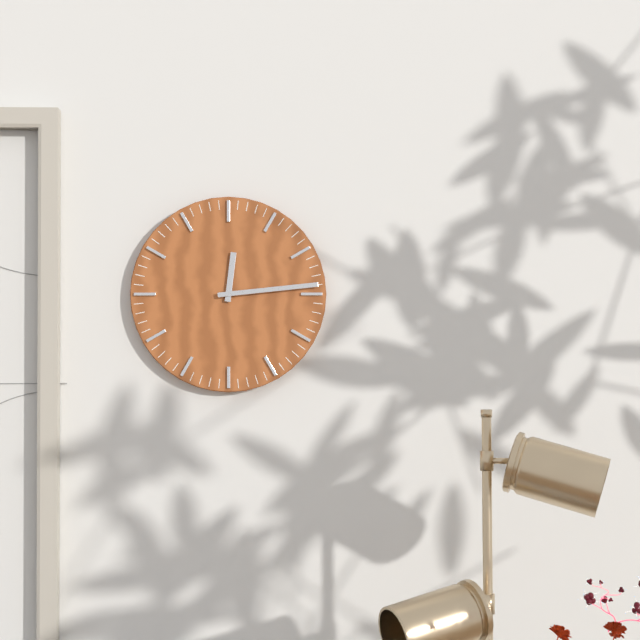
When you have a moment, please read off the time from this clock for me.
12:14
